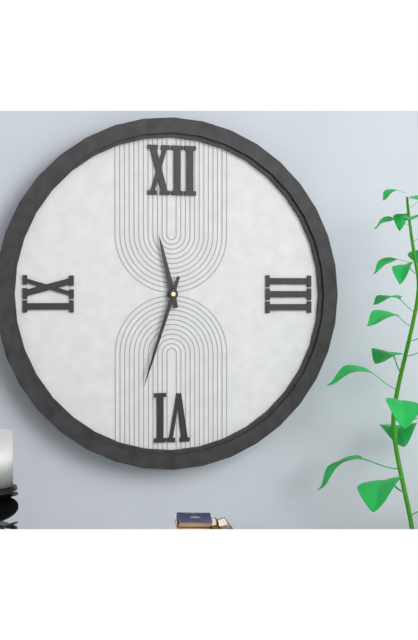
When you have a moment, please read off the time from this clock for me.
11:33
